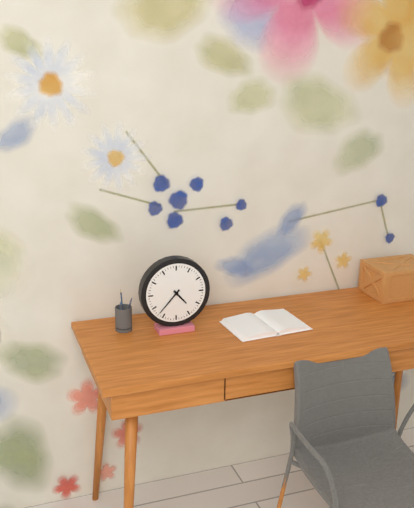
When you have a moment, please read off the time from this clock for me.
4:37
